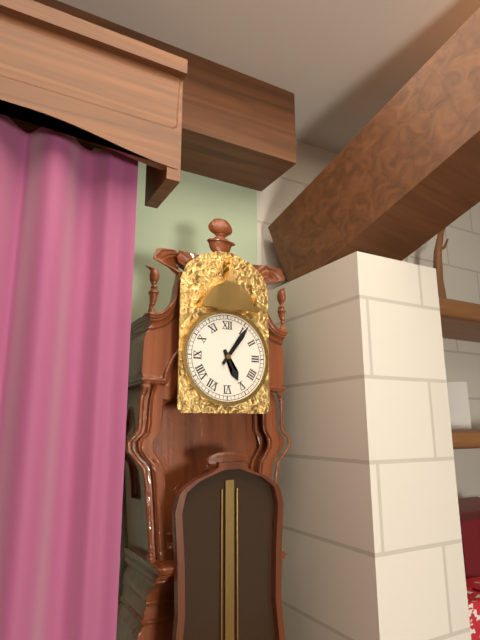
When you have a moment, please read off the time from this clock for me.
5:06
